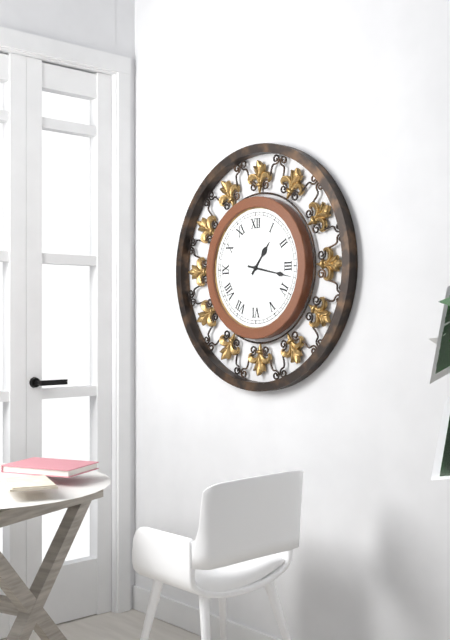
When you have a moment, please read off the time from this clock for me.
1:17
